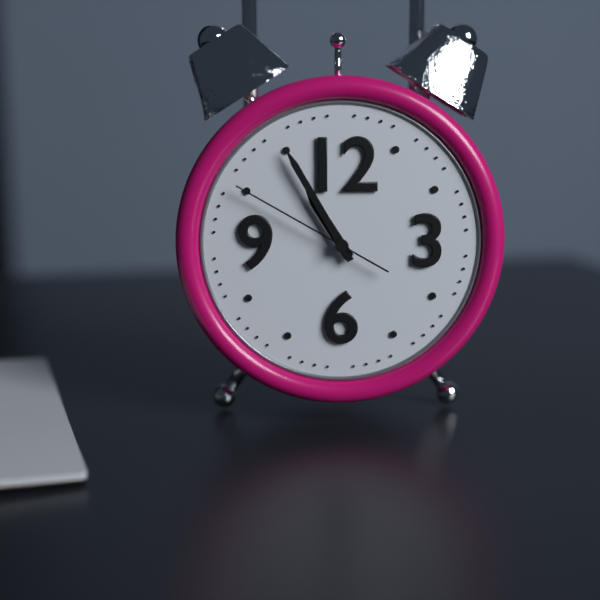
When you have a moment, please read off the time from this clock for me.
10:55:50
